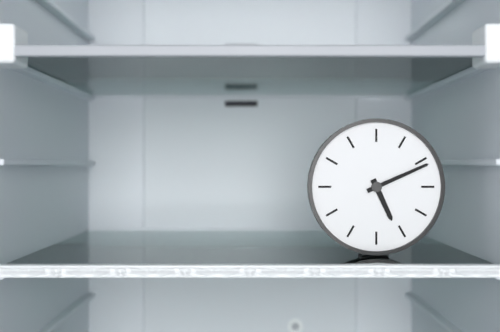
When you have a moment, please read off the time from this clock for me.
5:11
